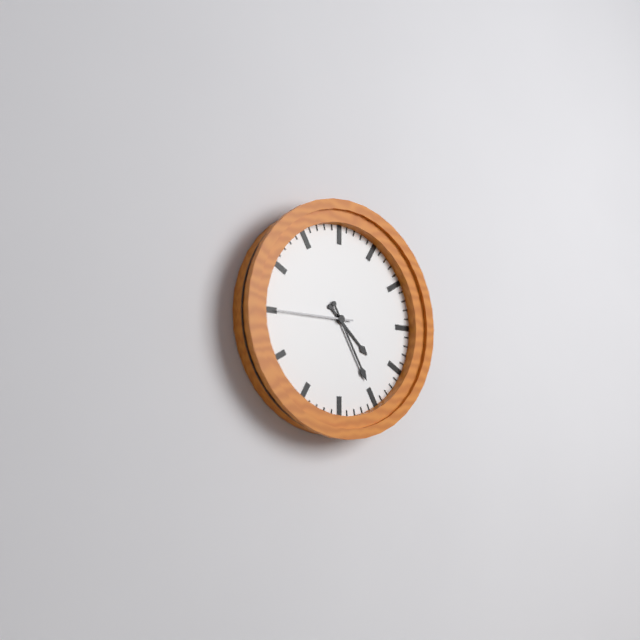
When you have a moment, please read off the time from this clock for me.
4:25:45
